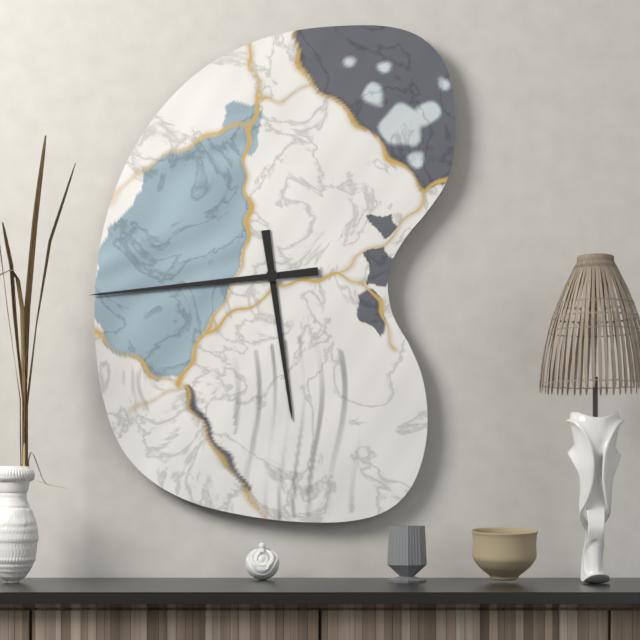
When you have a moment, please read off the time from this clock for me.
5:44
